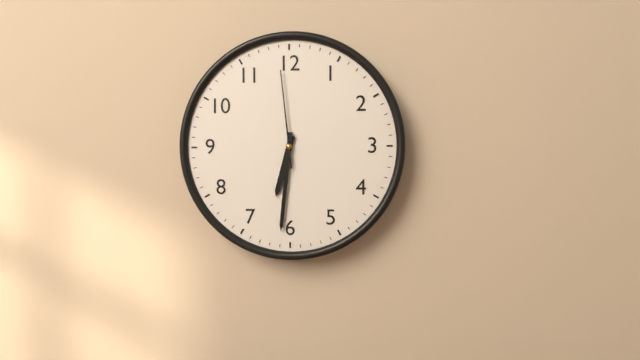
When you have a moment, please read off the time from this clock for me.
6:31:59
